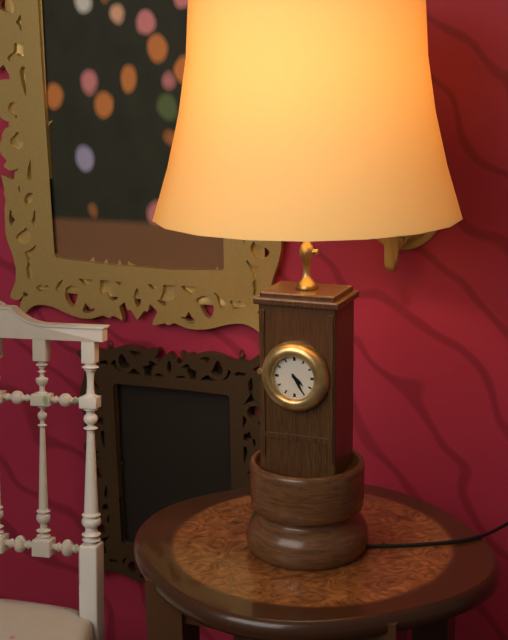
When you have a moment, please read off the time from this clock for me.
4:25
